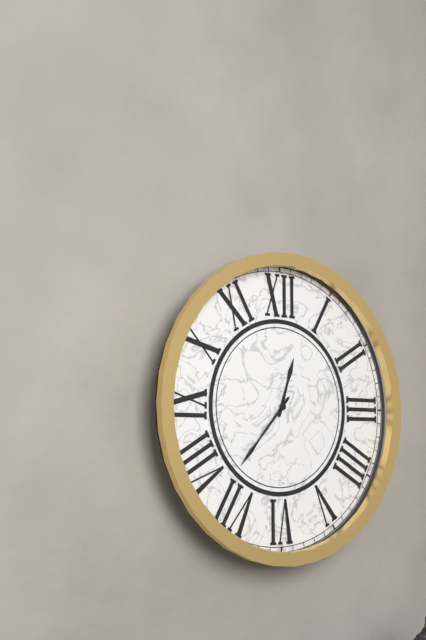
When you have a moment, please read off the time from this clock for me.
12:37
